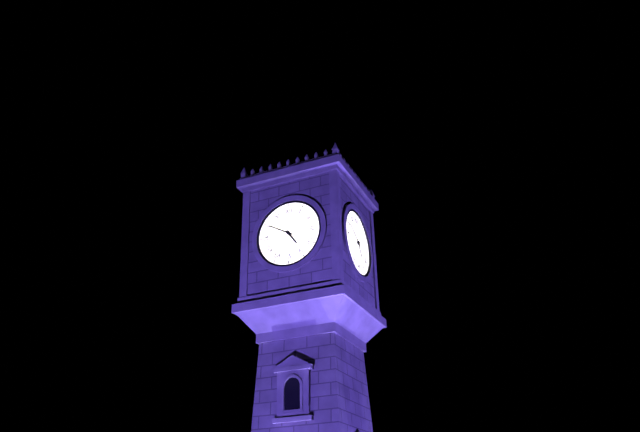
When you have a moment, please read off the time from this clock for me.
4:50
